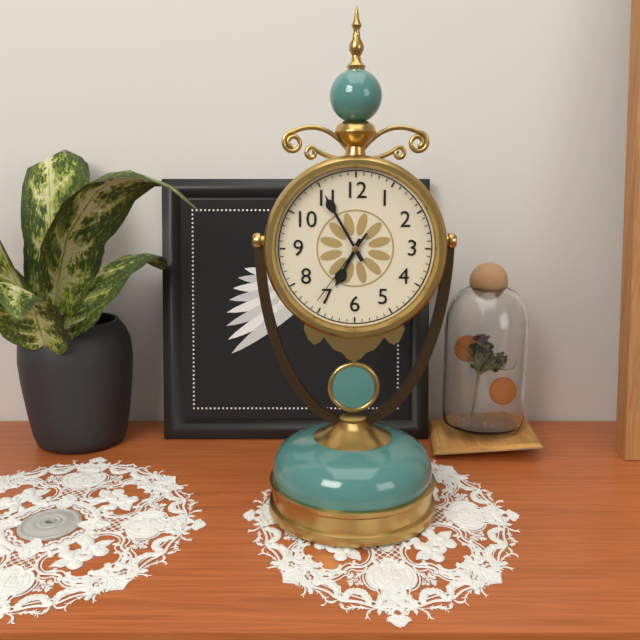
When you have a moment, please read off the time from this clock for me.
6:55:36
